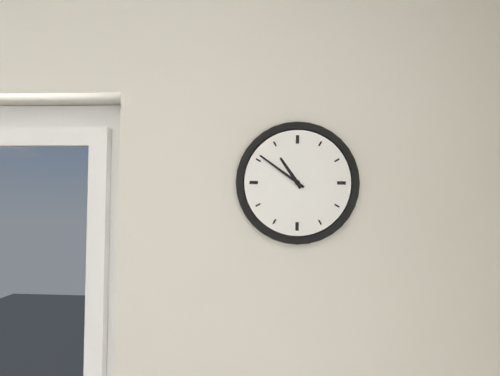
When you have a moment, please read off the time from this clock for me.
10:51
